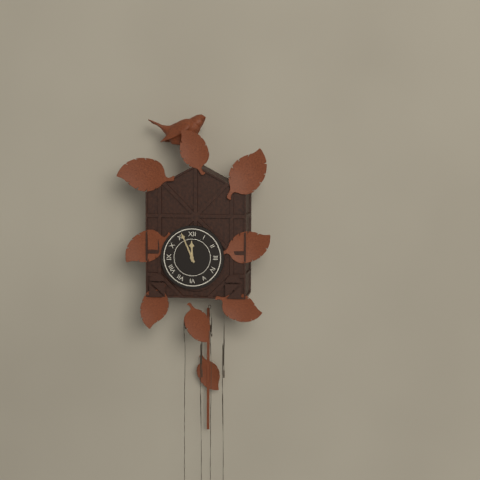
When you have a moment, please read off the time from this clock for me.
11:56
